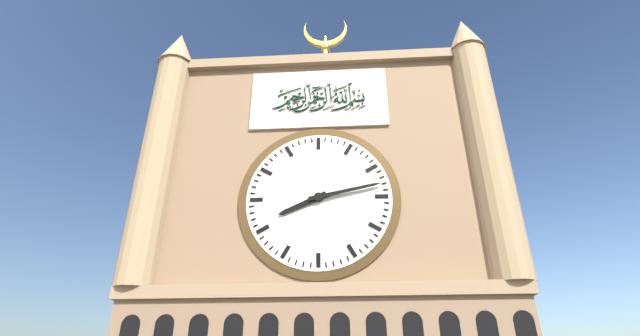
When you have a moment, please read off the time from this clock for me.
8:13
